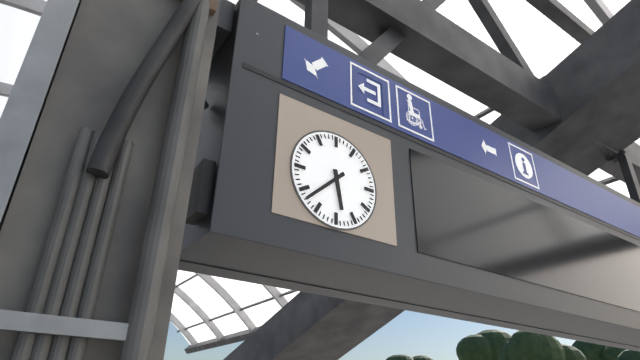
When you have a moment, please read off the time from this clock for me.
5:38
